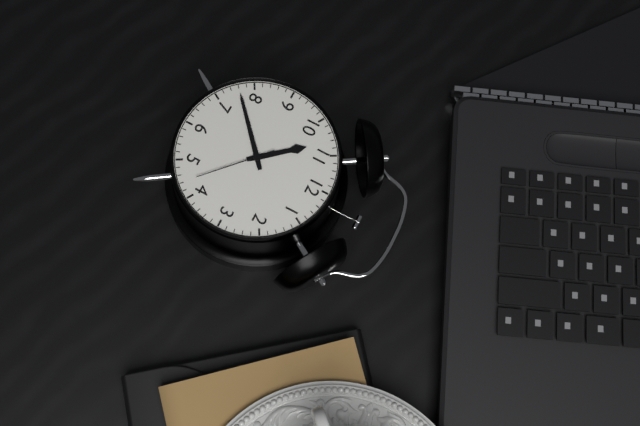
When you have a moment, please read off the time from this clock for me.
10:38:22
